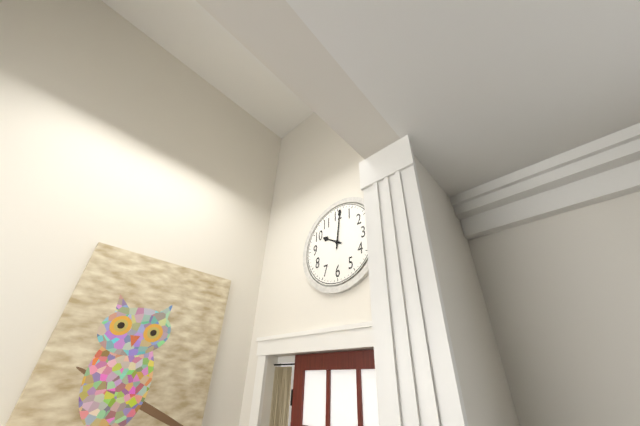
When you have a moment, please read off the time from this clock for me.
10:01
